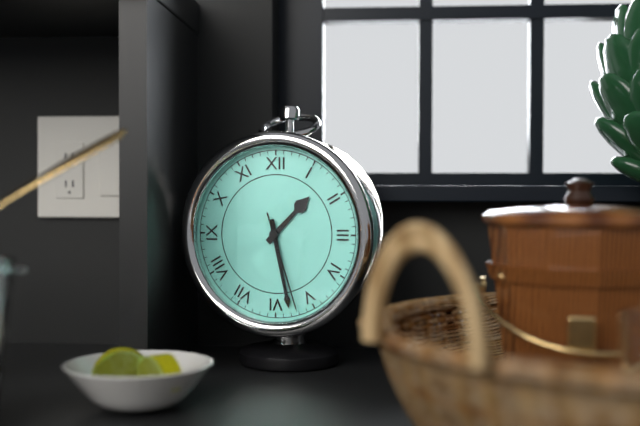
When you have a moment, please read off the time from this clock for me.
1:28:27
